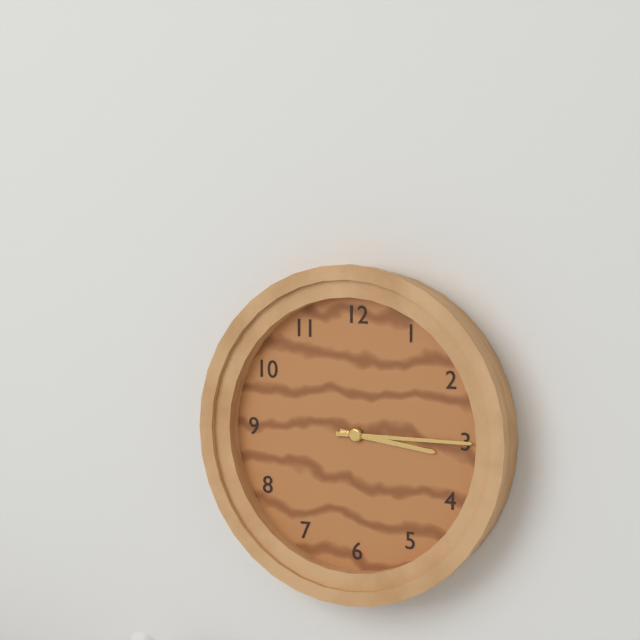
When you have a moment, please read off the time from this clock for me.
3:15
